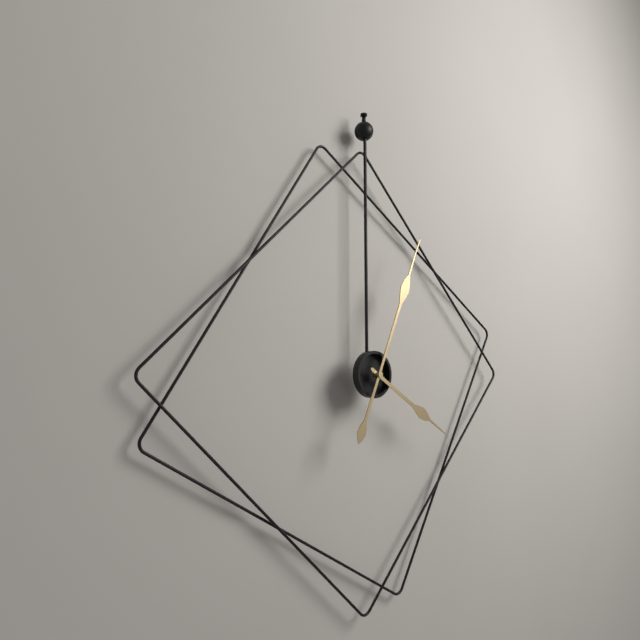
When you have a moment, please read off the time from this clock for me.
4:04
